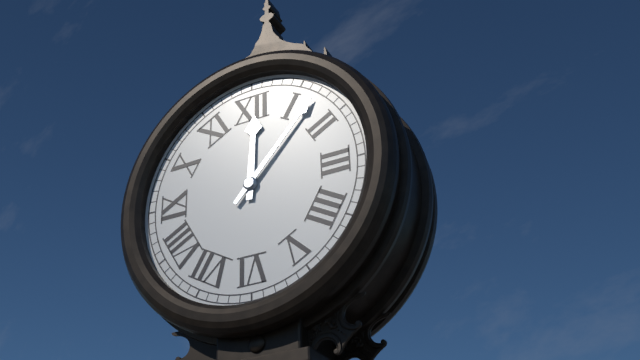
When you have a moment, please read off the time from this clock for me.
12:07
